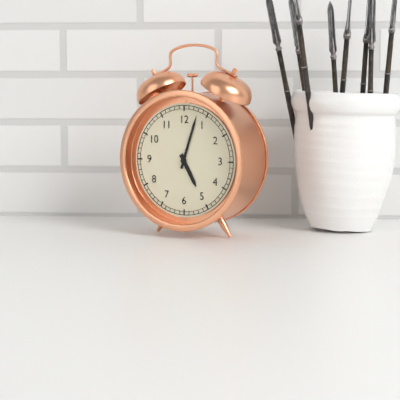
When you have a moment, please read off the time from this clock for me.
5:03
